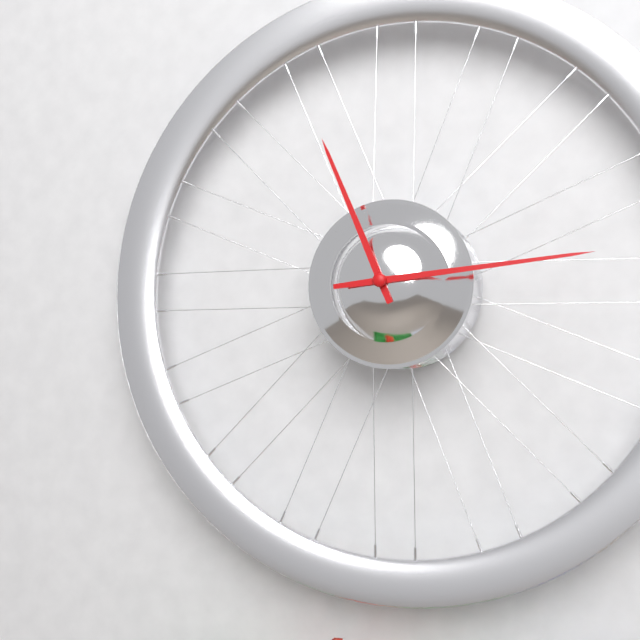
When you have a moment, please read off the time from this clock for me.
11:14
